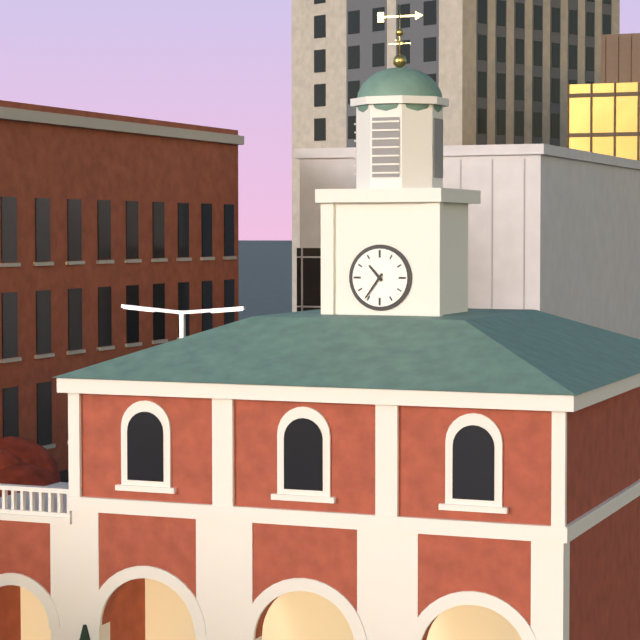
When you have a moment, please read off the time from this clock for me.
10:36
